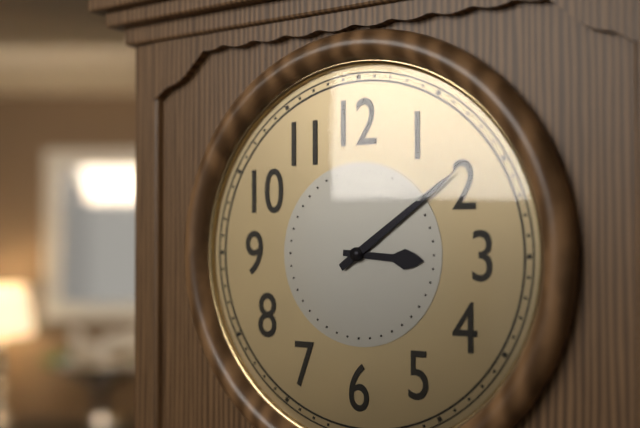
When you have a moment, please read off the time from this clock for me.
3:09
